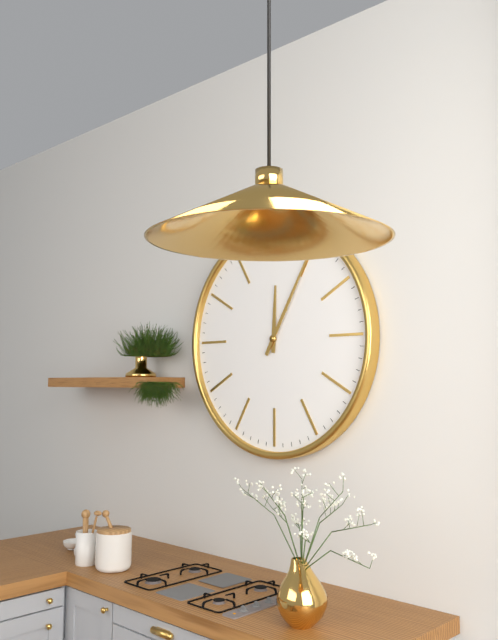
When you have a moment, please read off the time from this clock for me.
12:05
